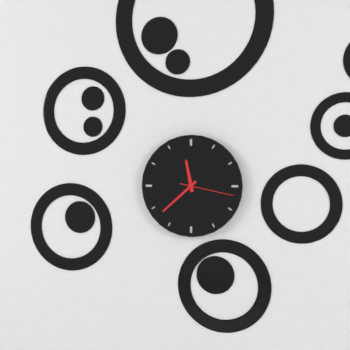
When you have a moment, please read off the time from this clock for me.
11:38:17
